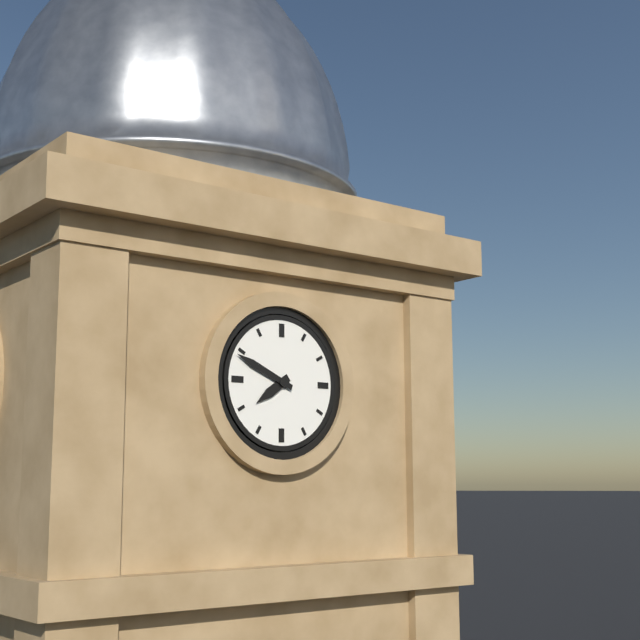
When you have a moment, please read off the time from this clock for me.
7:49
